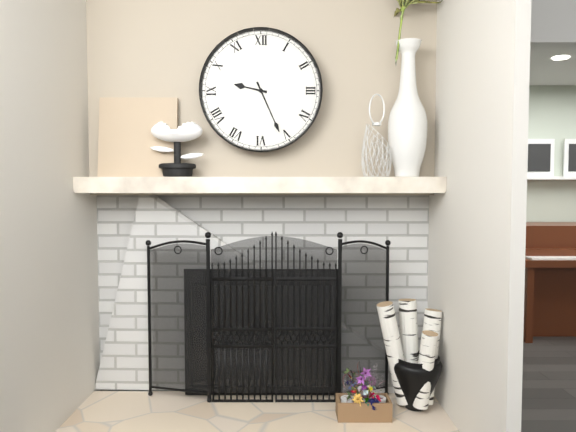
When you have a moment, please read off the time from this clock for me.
9:26
